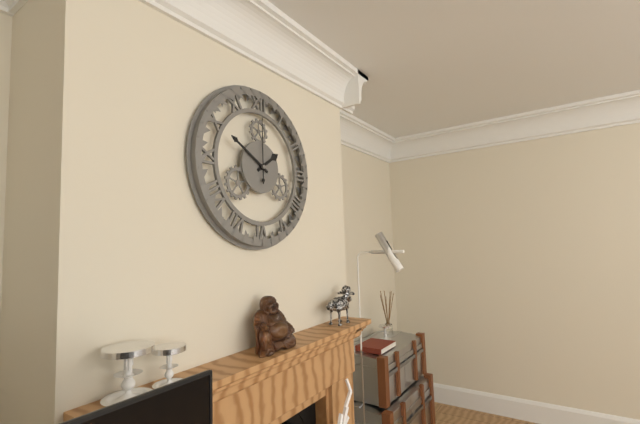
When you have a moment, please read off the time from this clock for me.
1:50:00
